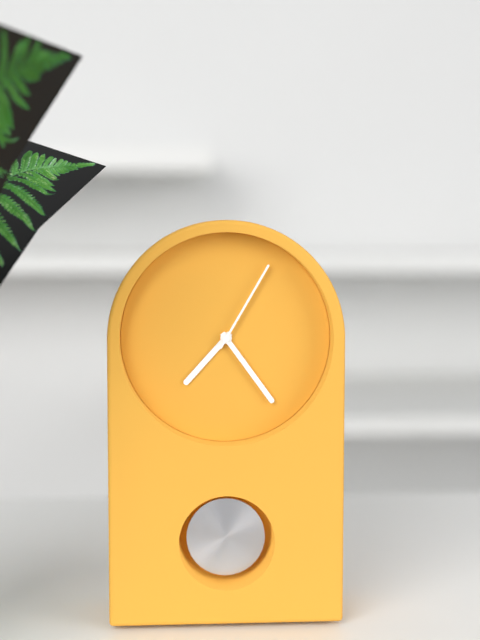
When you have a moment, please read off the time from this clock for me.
7:24:05
